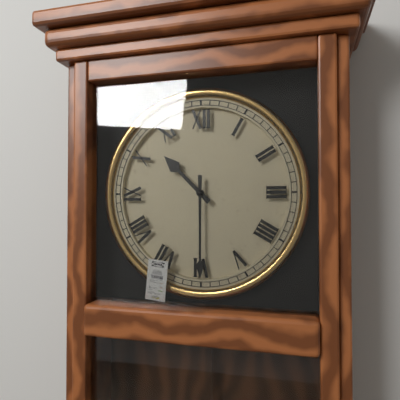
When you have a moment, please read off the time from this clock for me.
10:30
